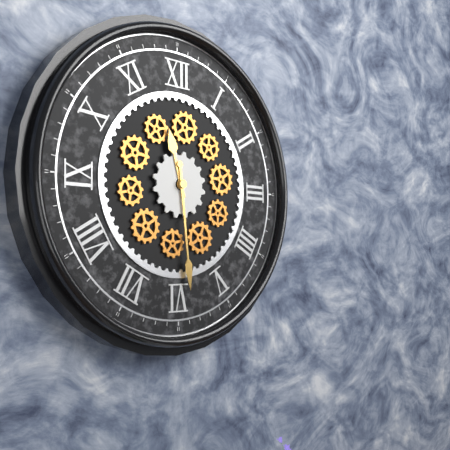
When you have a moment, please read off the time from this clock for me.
11:29
